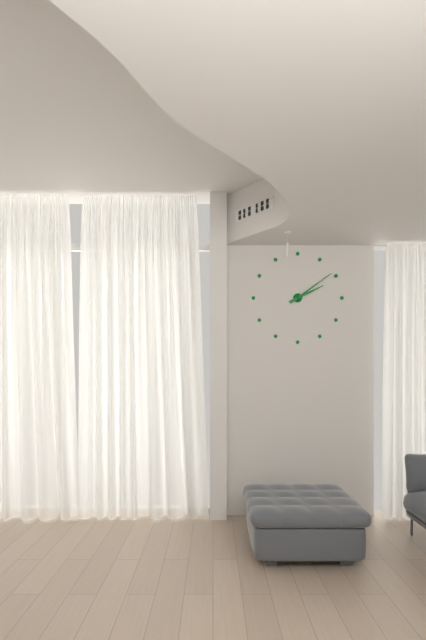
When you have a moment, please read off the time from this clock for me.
2:09
